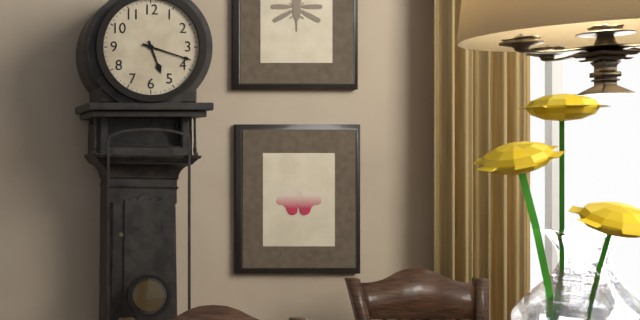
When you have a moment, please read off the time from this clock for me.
5:18
